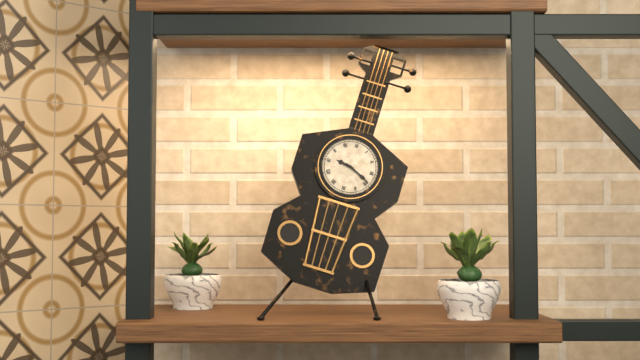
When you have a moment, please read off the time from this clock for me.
9:19
